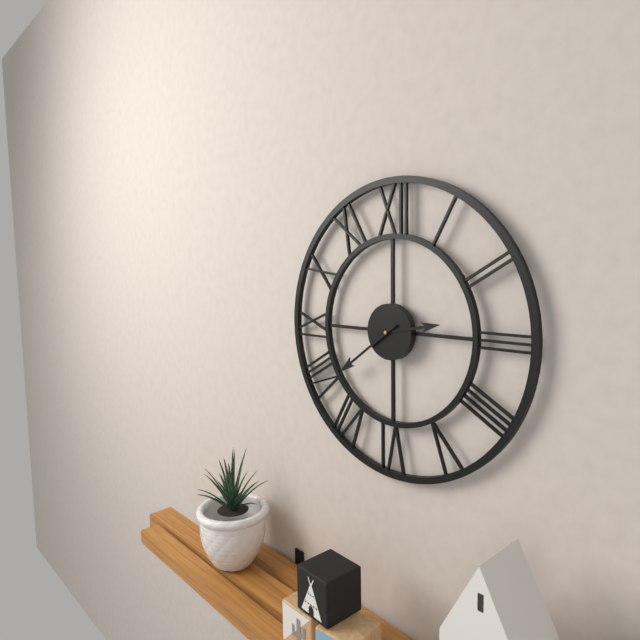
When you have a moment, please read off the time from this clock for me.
2:39
